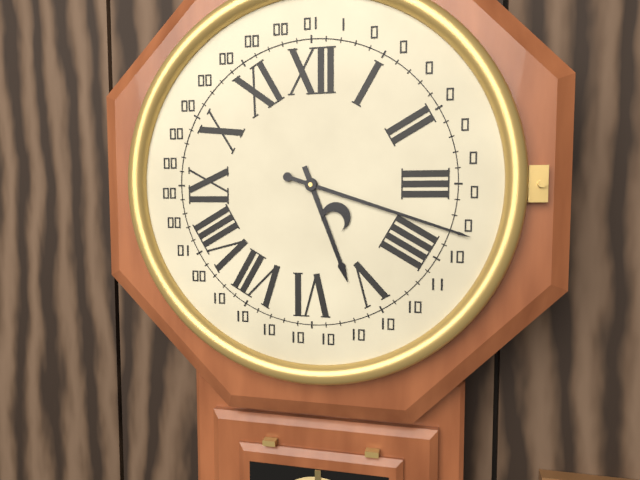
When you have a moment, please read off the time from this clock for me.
5:18
